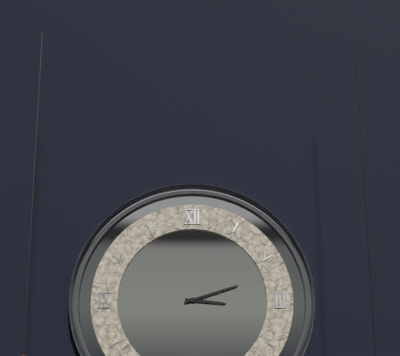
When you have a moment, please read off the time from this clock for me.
3:12
